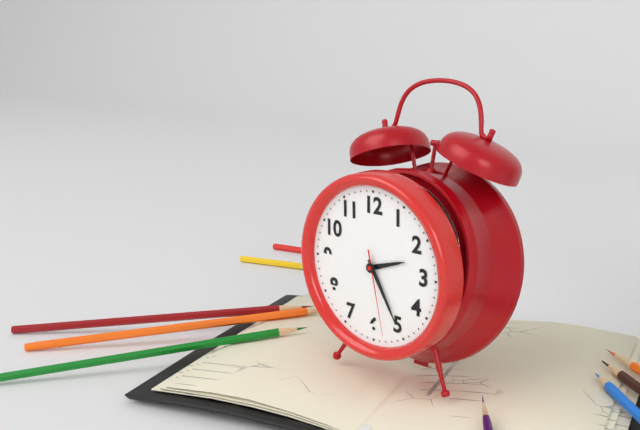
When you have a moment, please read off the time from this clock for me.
2:25:28
